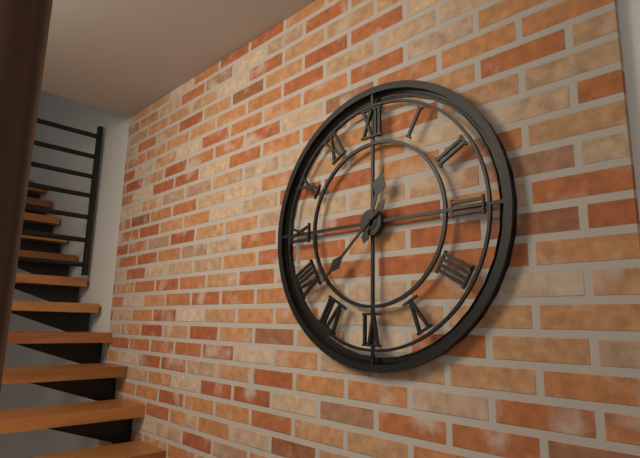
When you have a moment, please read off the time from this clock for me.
12:38
